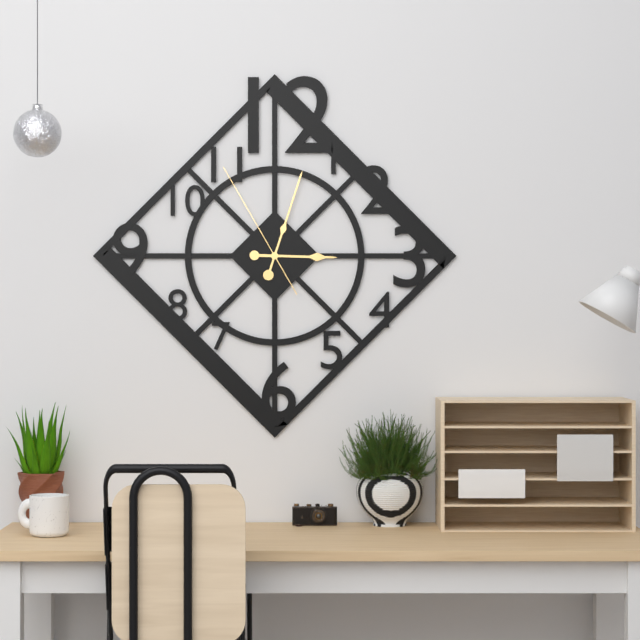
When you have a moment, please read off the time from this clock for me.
3:03:55
